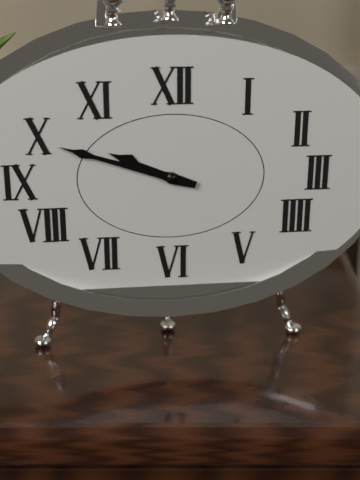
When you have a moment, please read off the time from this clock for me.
9:48
